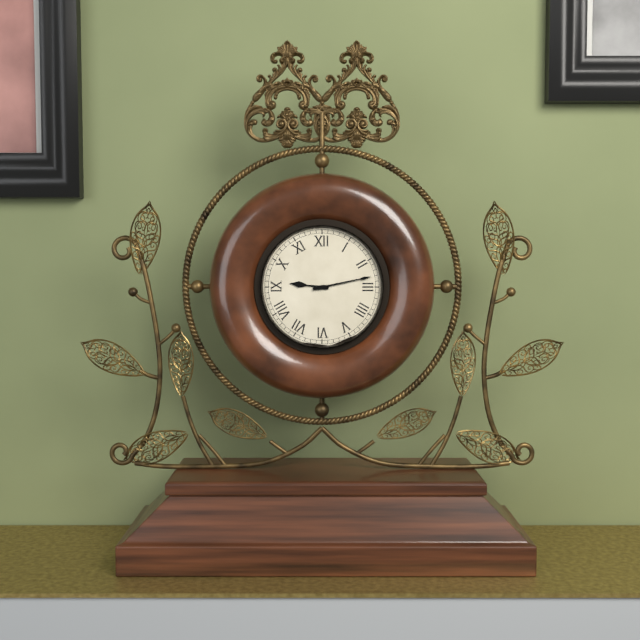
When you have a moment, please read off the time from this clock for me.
9:13
